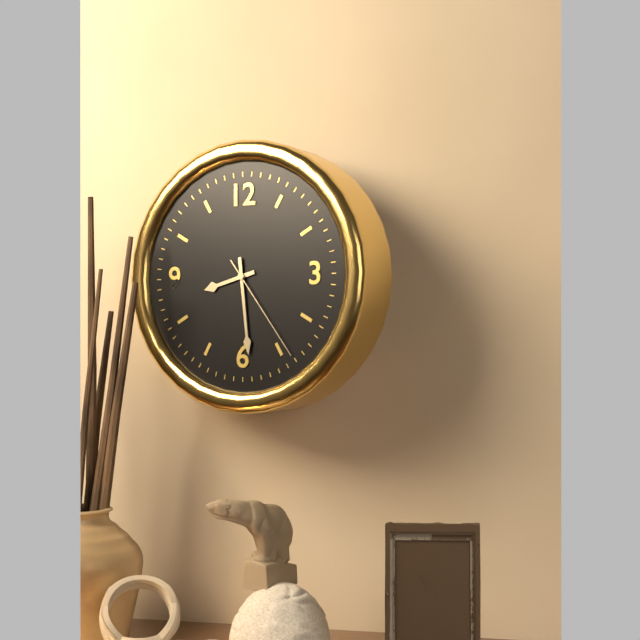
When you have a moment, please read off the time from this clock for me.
8:29:24
